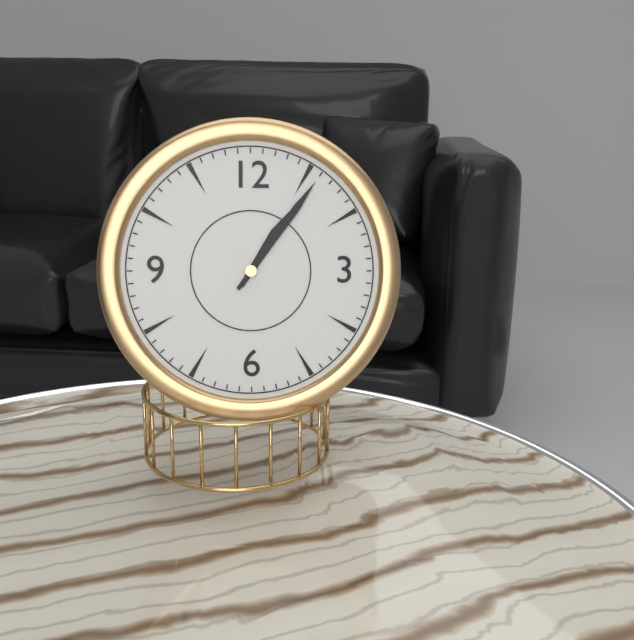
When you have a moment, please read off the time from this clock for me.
1:06
